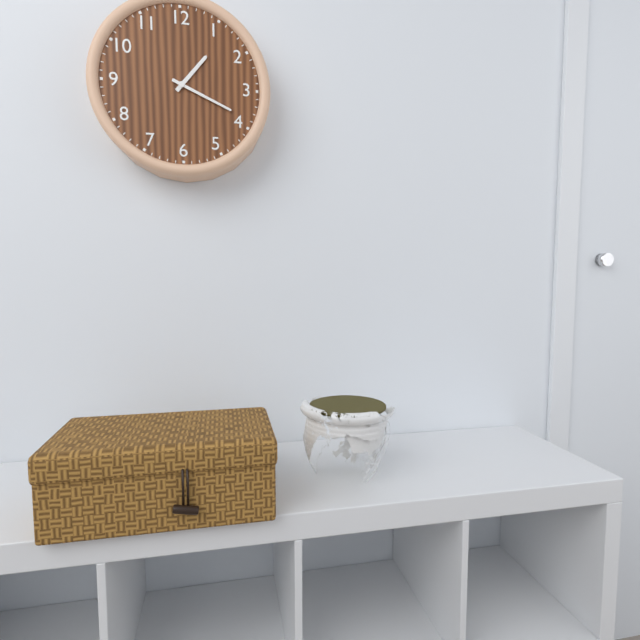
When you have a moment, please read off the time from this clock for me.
1:19
